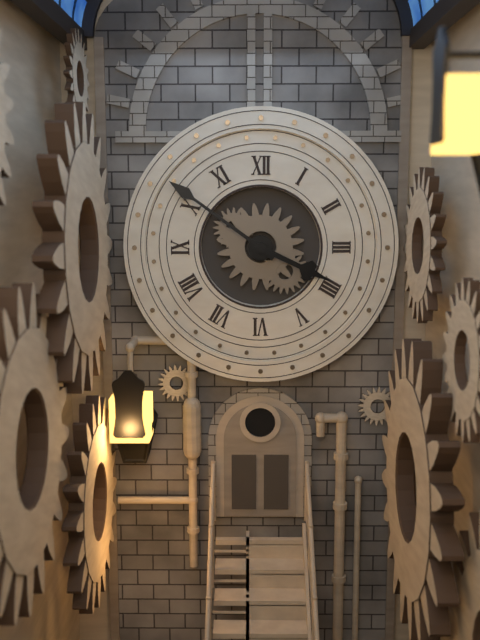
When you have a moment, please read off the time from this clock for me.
3:51
